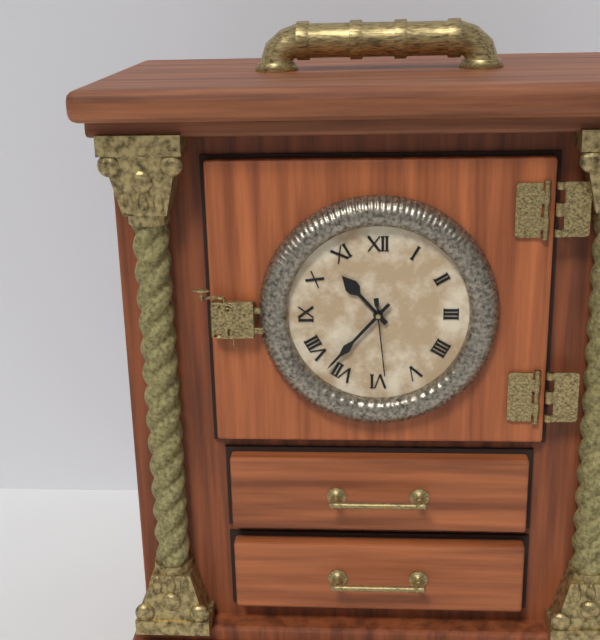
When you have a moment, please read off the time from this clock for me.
10:37:29
